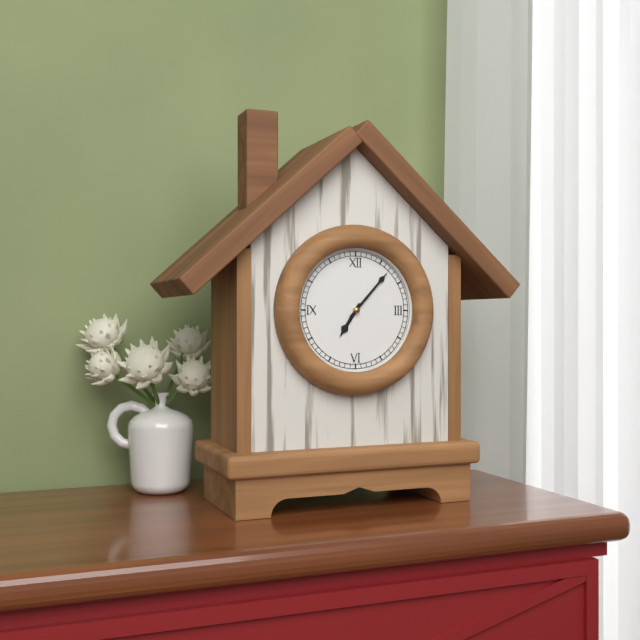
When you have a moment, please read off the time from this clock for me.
7:07
